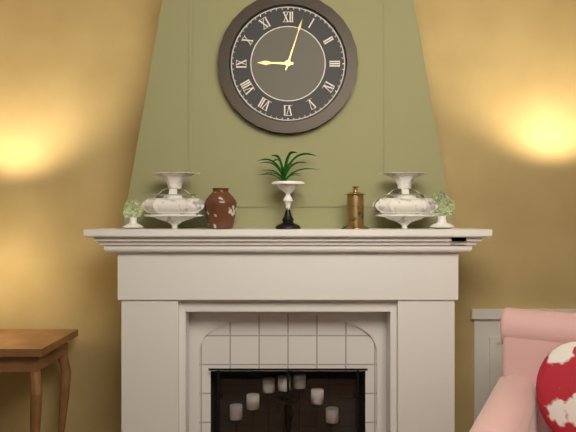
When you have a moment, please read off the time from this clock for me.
9:03
